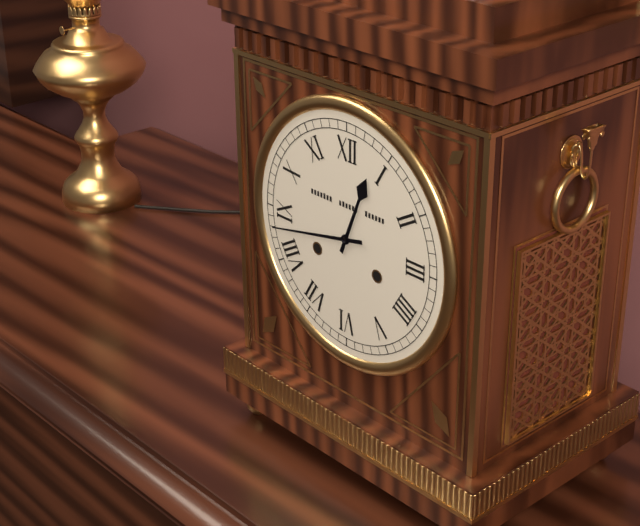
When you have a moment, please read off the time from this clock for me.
12:43
